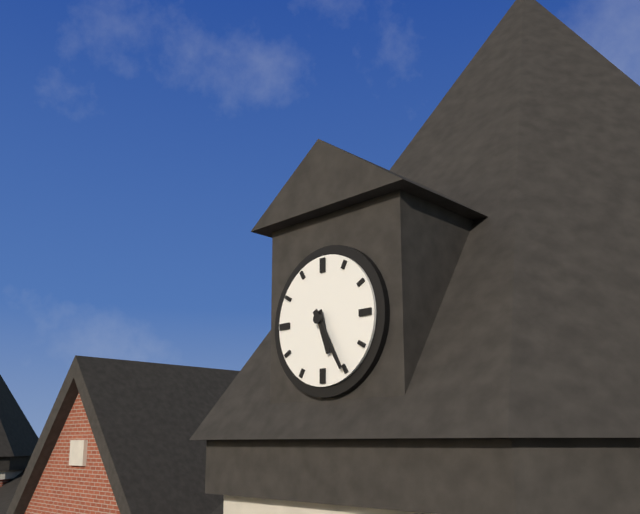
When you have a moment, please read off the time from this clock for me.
5:25
